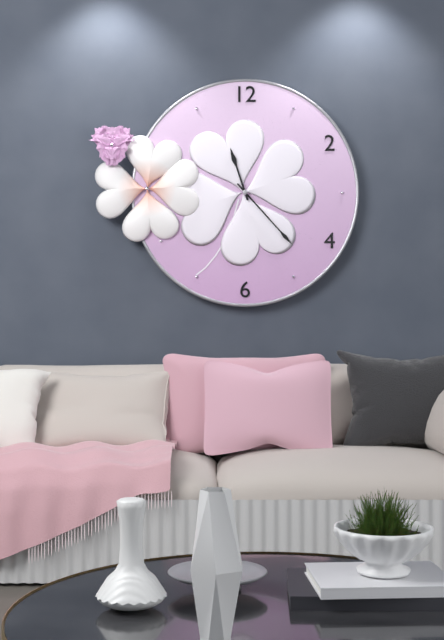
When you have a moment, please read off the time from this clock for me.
11:23
